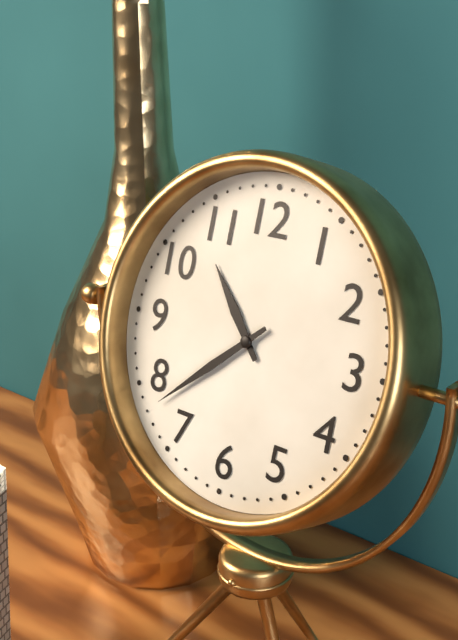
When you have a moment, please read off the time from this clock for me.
10:38
